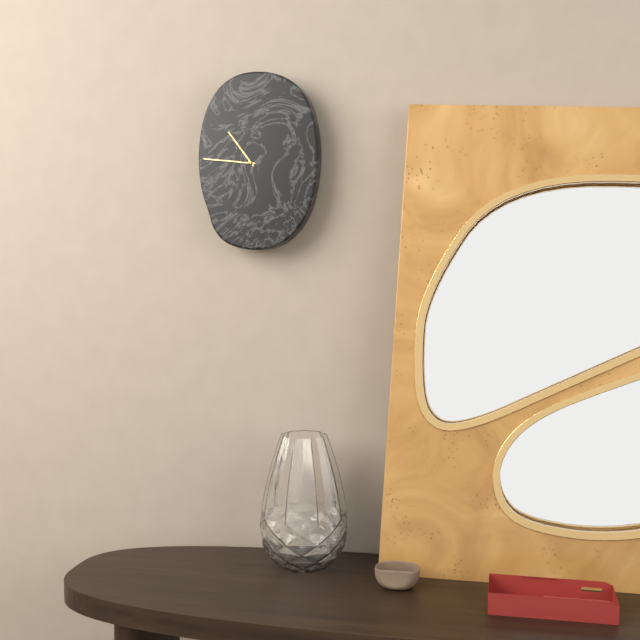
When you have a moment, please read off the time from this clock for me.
10:46
